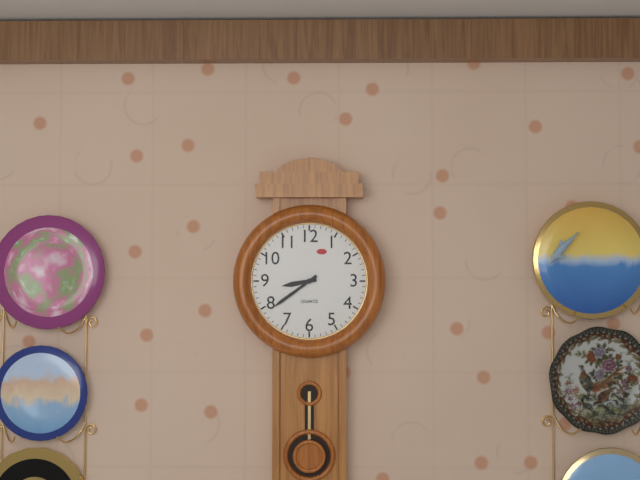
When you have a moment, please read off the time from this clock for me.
8:39
